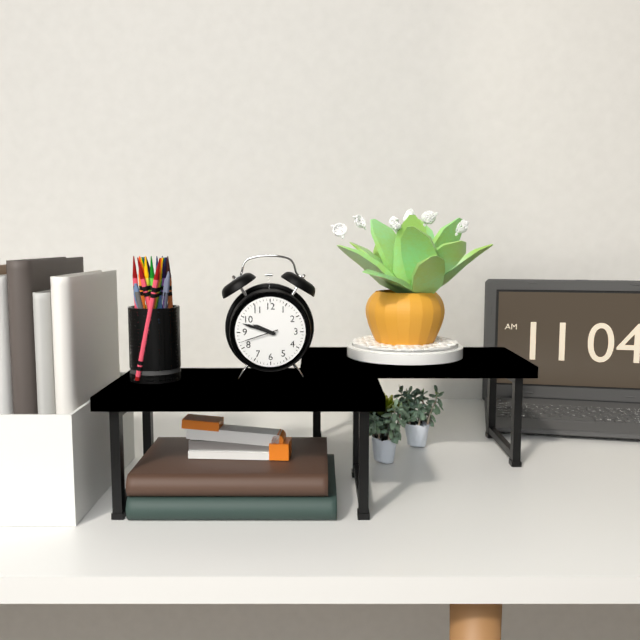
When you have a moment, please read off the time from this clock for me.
9:48
